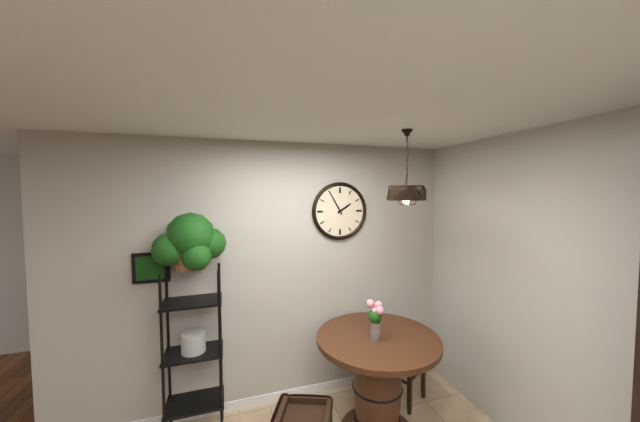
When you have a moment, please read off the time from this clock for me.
1:55
